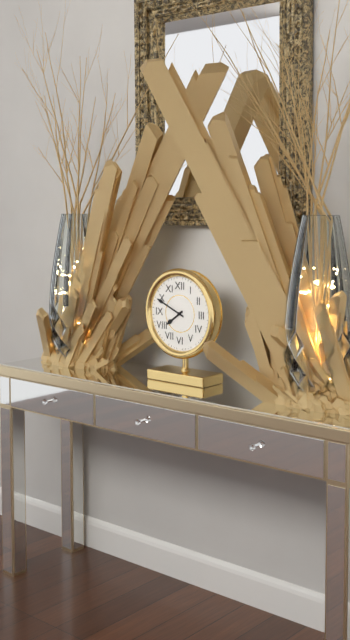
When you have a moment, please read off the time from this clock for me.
7:49
